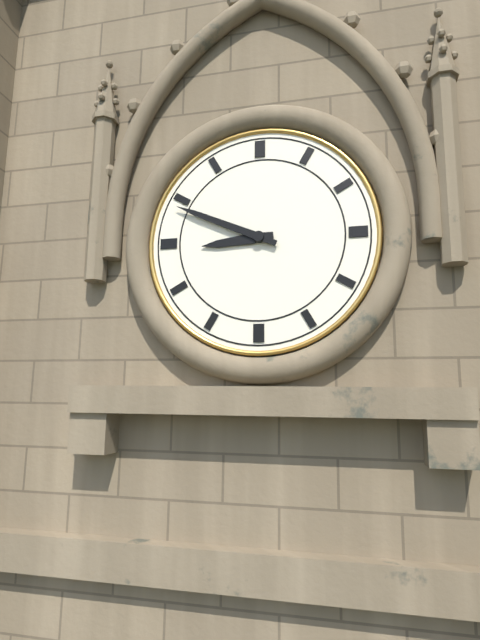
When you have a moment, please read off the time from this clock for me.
8:49
